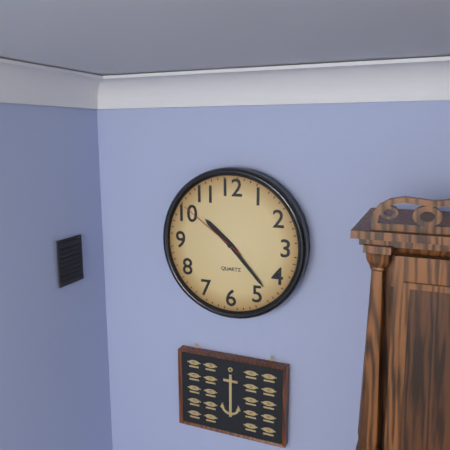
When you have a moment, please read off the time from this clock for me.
10:23:51
